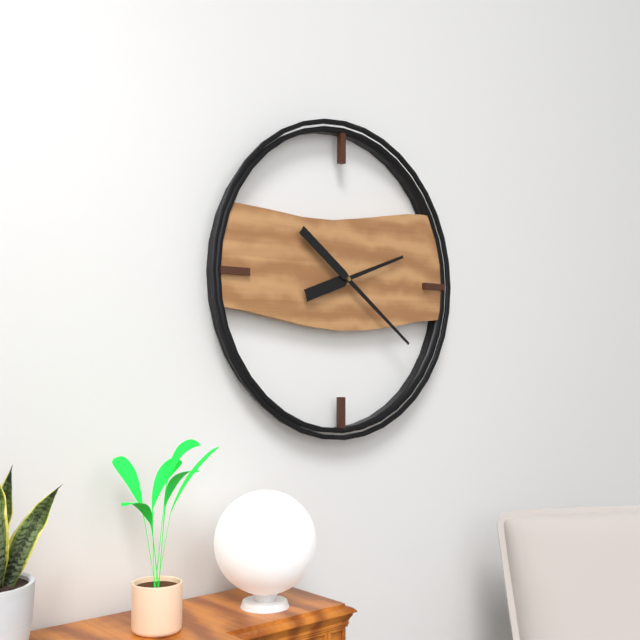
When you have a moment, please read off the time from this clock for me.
2:21
